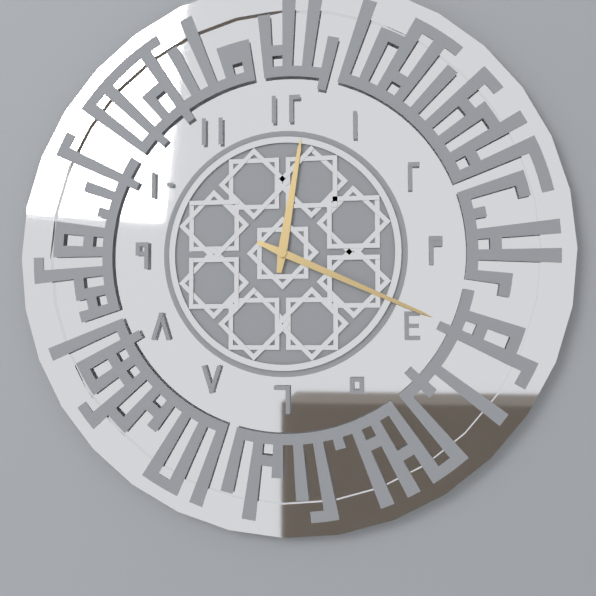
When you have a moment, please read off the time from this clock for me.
12:19
